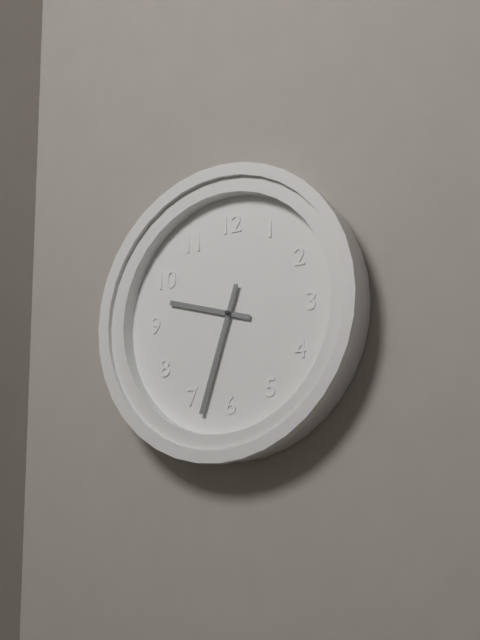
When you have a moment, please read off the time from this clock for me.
9:33
